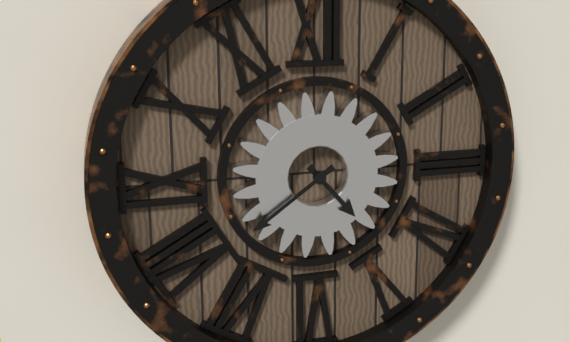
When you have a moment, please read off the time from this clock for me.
4:39
